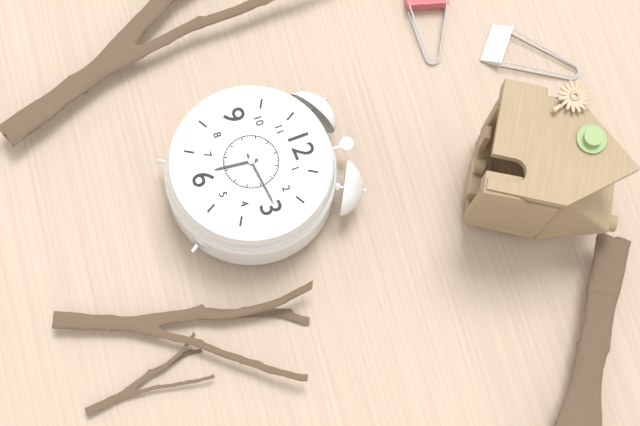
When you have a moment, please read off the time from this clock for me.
6:14
